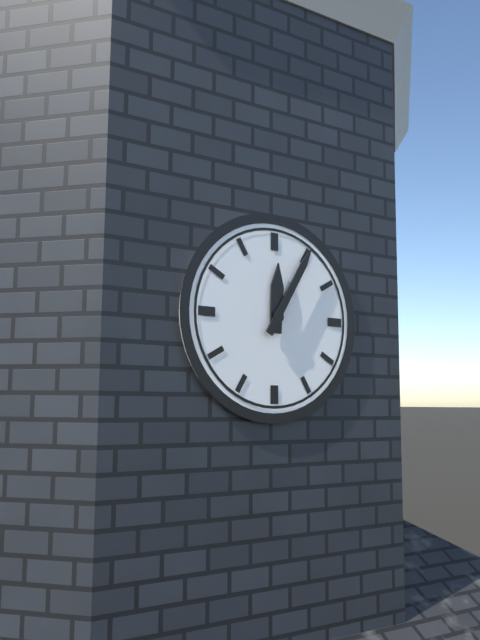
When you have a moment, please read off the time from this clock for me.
12:05
